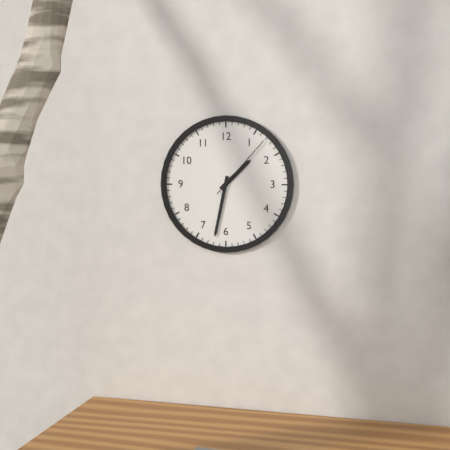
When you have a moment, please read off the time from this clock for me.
1:32:07
